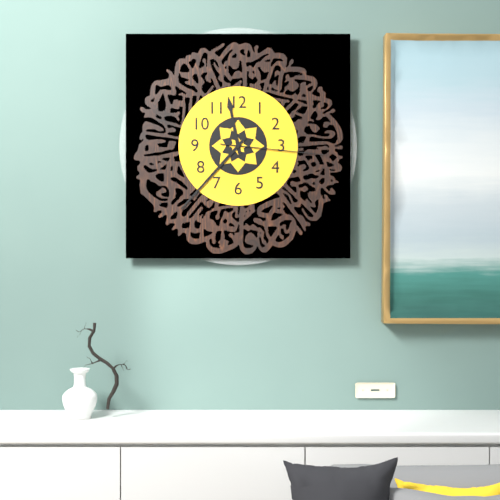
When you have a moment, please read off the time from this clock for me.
11:37:16
